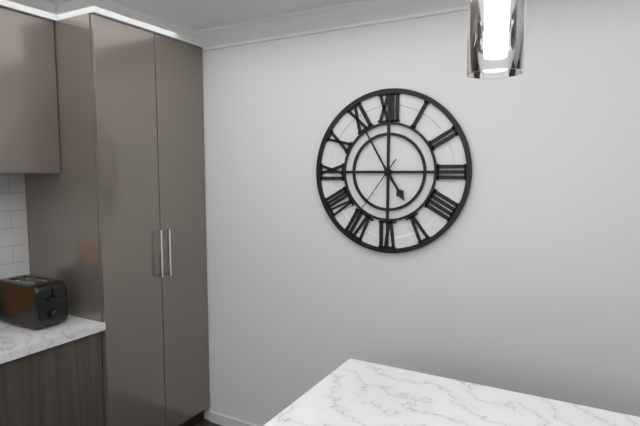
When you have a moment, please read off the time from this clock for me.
4:55:36
